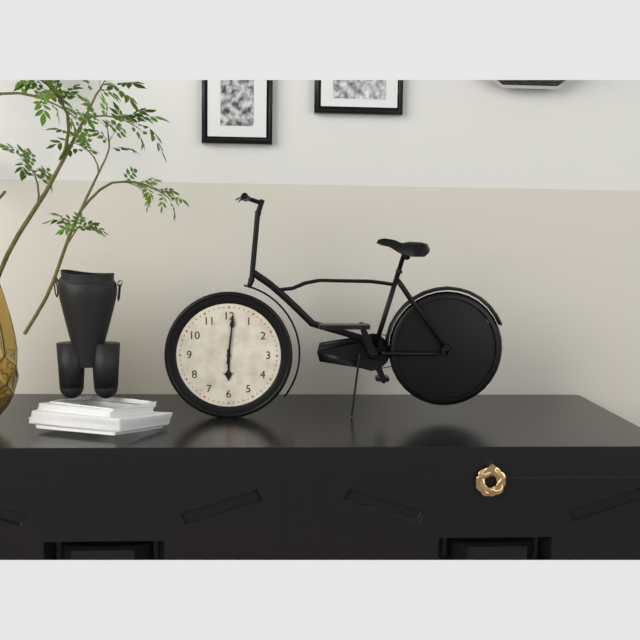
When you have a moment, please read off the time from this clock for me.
6:01
